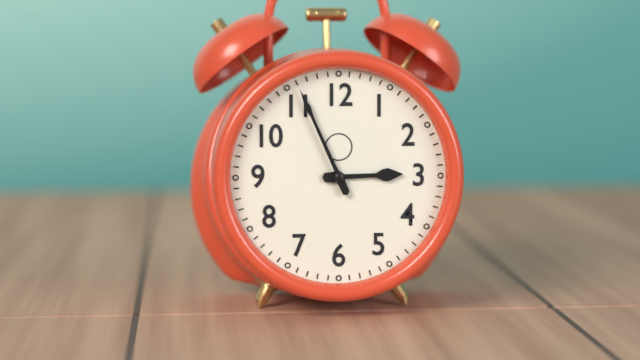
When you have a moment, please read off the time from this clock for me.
2:56
